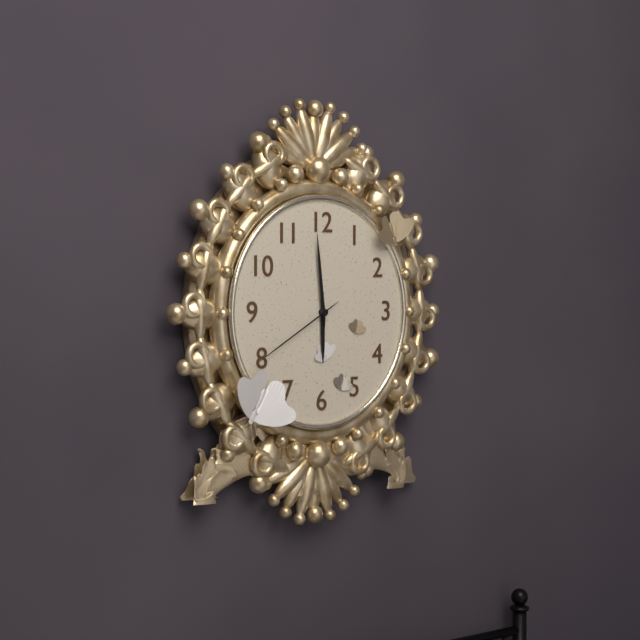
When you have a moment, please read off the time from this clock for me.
5:59:40
